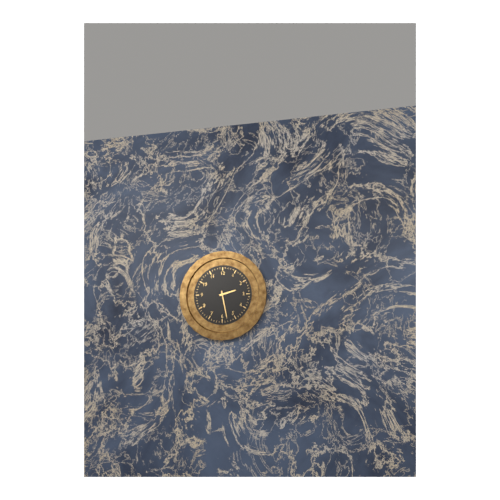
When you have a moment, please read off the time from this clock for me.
2:28
